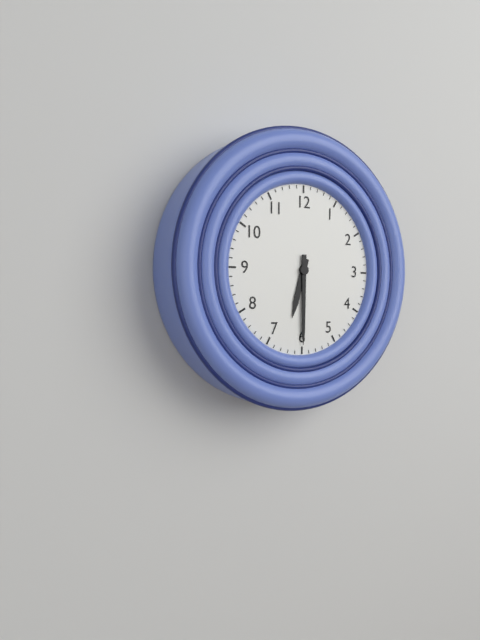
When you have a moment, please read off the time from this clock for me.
6:30
